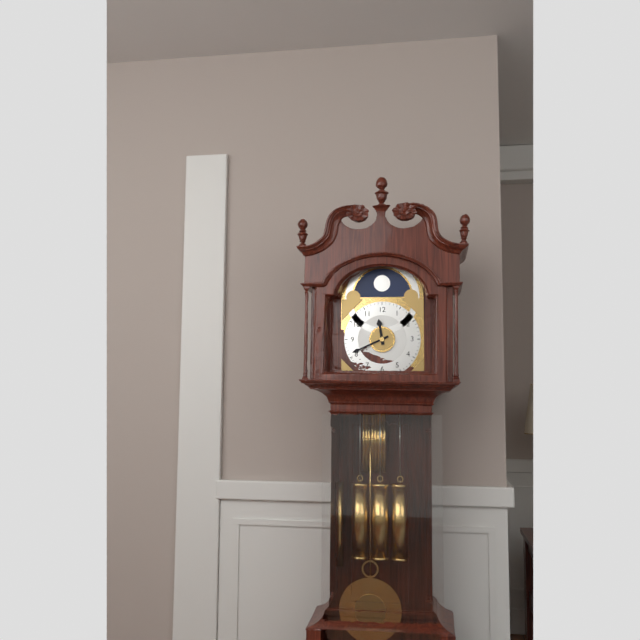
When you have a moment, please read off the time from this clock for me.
11:41
